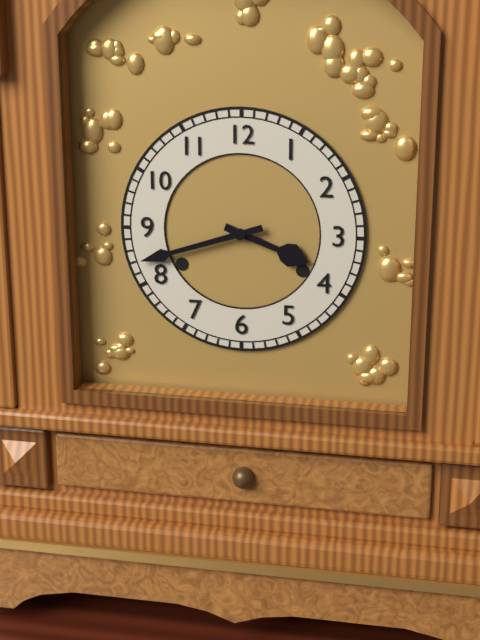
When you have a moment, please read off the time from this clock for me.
3:42
